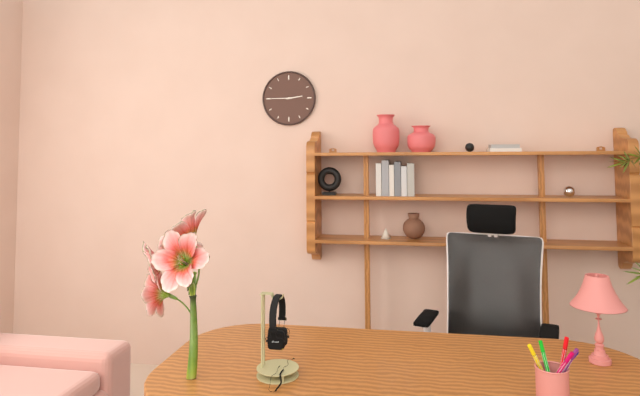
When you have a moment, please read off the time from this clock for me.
2:45
